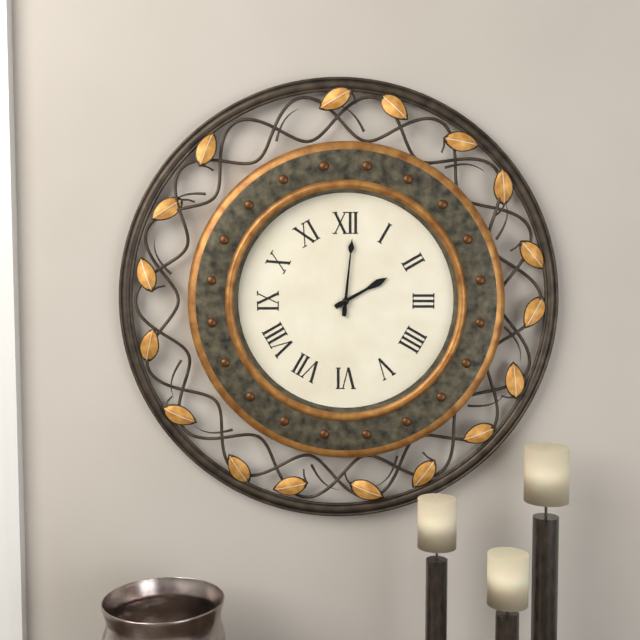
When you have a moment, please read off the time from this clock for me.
2:01
